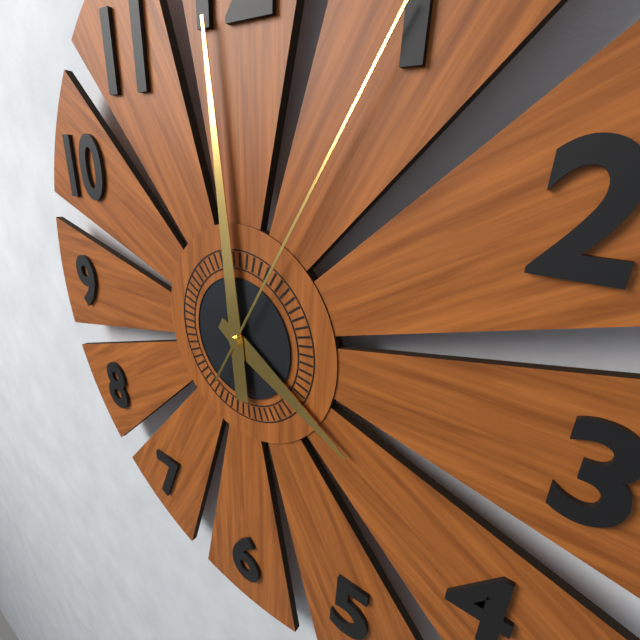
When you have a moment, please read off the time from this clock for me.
3:59
